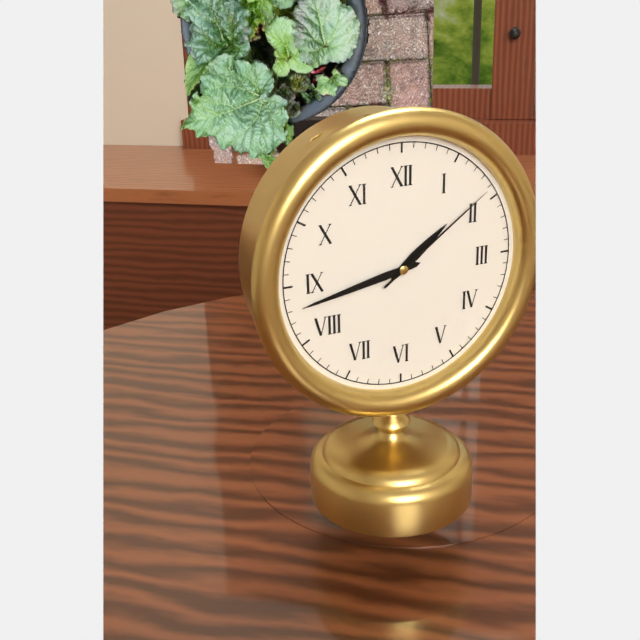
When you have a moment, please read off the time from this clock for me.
1:43:09
